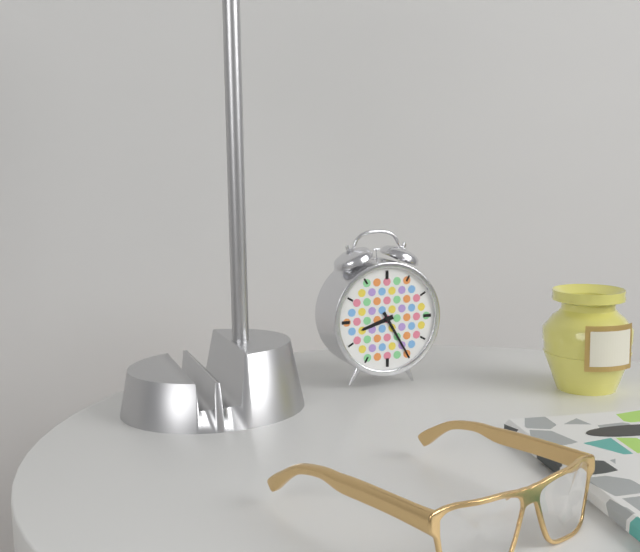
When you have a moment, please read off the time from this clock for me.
8:25
